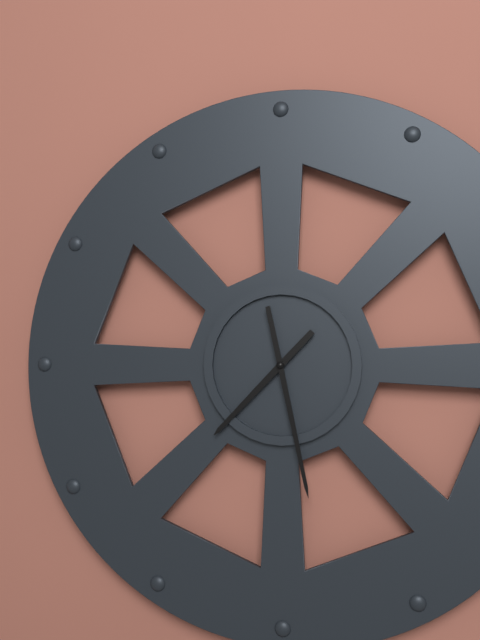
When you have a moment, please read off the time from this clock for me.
7:28
